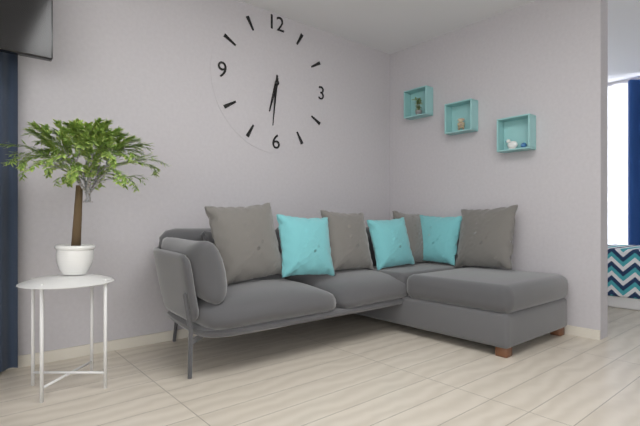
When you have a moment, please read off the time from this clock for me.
6:31
